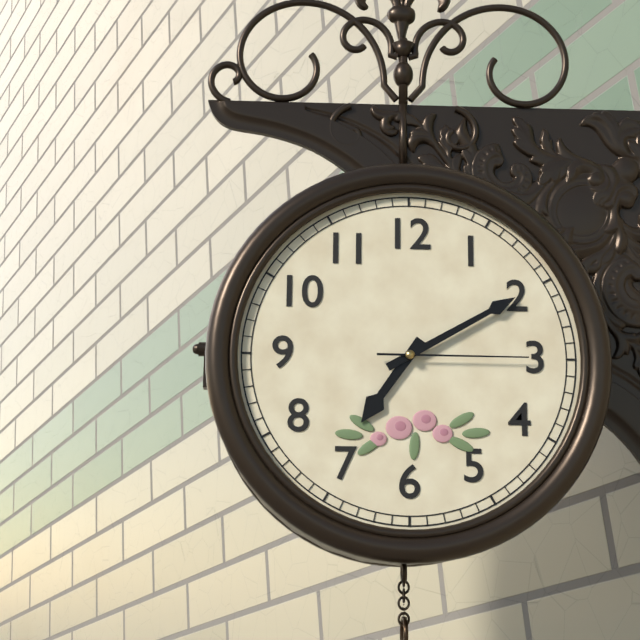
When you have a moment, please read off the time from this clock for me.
7:10:15
